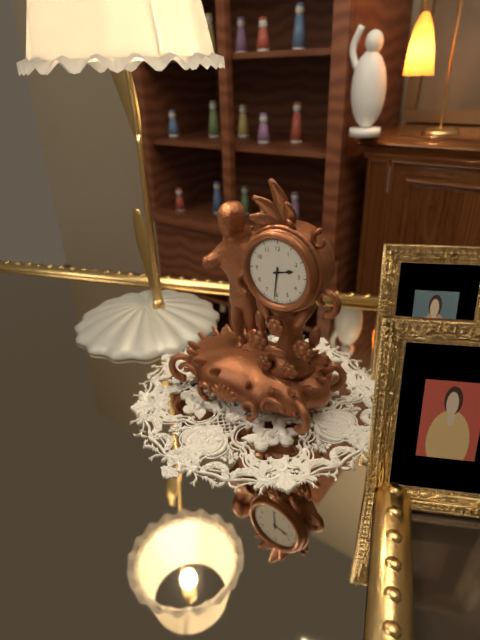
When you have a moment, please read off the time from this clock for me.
2:31
